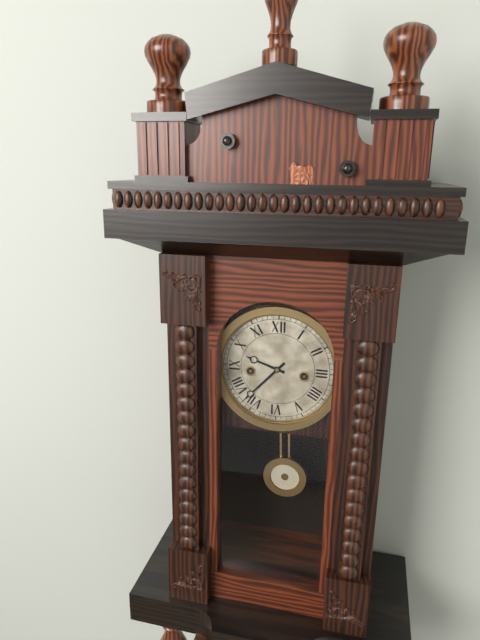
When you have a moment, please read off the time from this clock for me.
9:37
